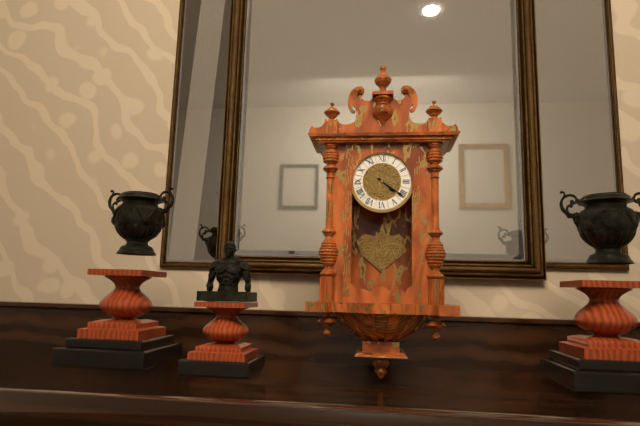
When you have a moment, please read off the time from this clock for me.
4:21
